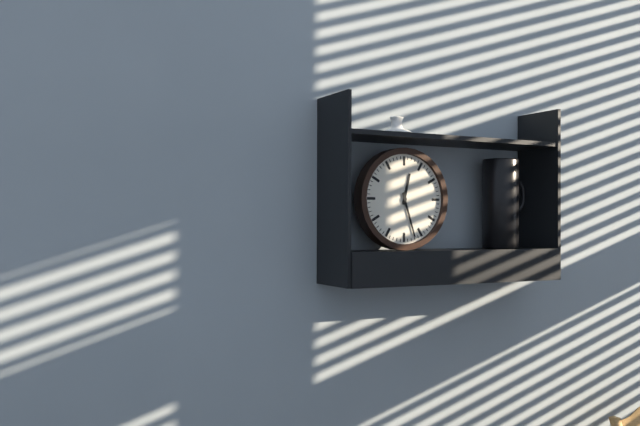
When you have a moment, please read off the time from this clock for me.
12:27
